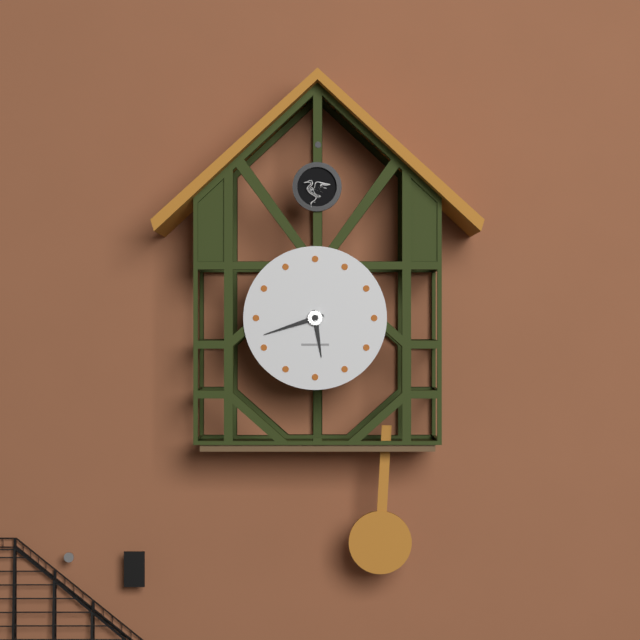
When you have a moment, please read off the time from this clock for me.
5:42
